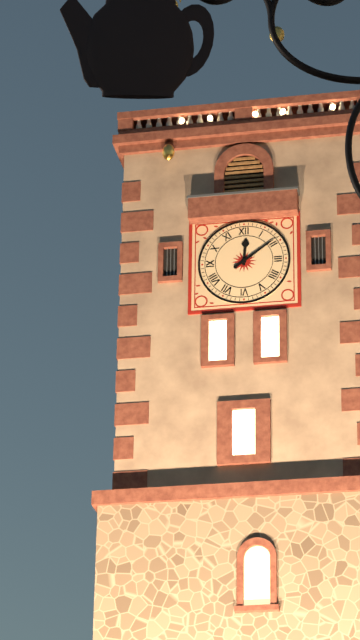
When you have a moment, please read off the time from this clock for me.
12:09
